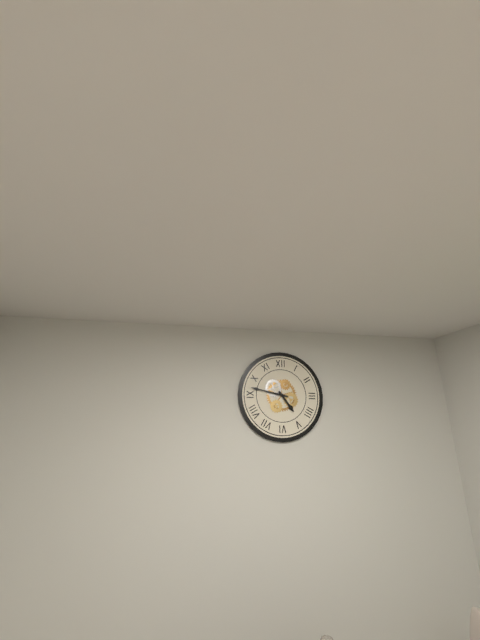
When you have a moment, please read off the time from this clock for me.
4:47
